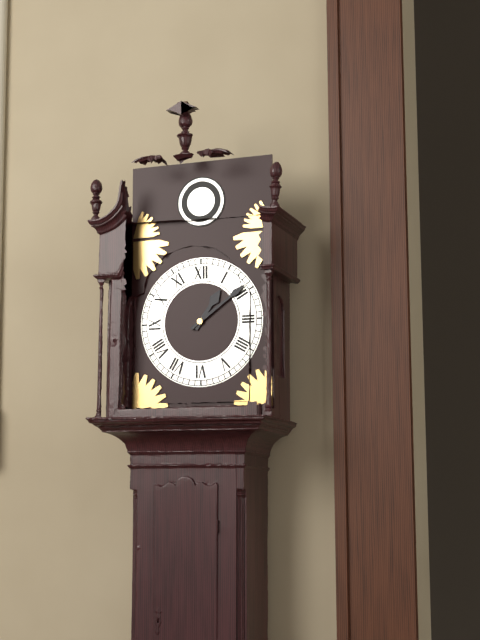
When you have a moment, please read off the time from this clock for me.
1:09
